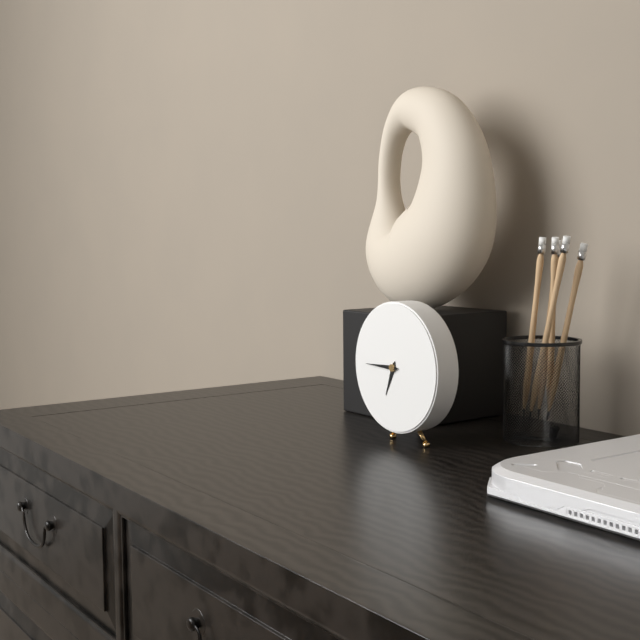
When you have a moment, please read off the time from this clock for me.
6:45
